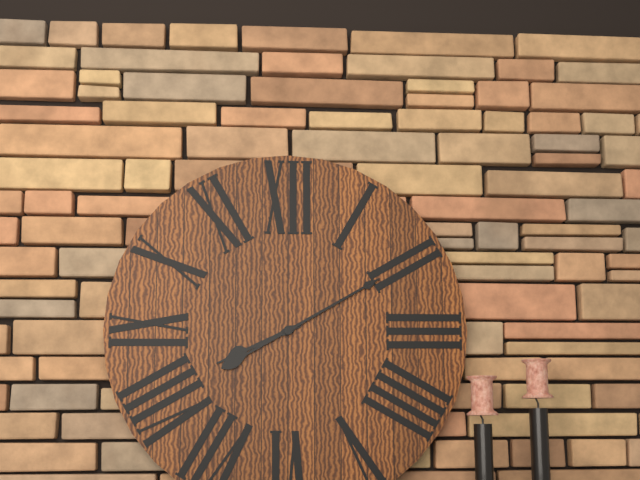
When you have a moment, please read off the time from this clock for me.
8:10
